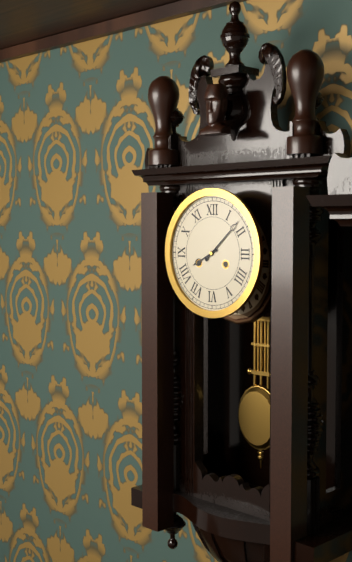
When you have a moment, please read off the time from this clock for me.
8:08
